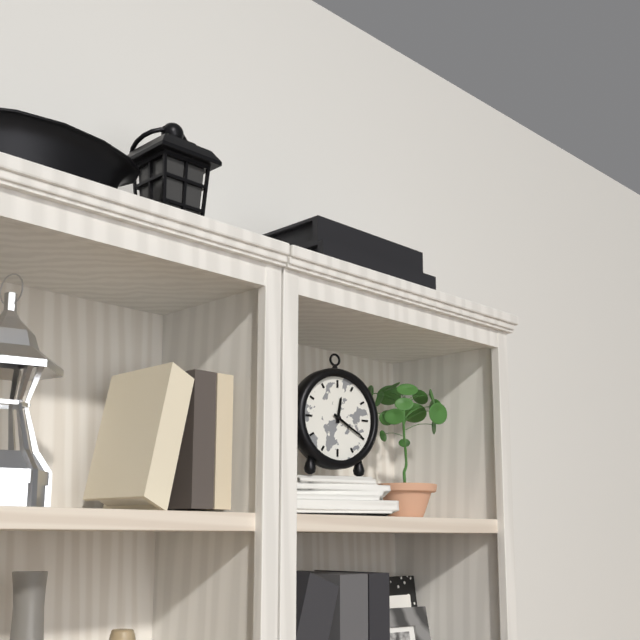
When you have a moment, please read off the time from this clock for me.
12:20
